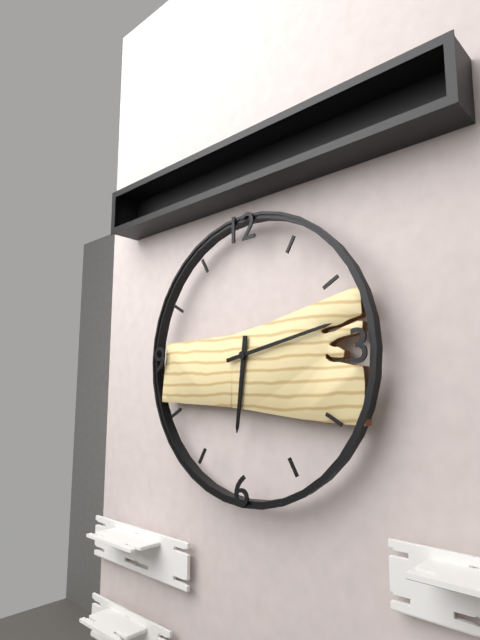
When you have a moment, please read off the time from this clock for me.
6:13
